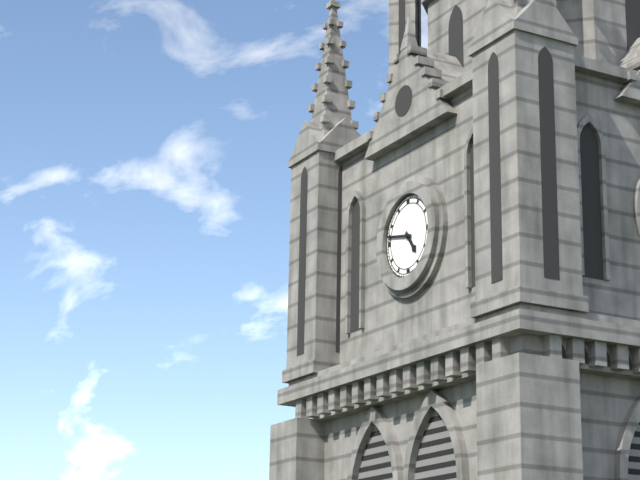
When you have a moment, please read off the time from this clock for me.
4:47
